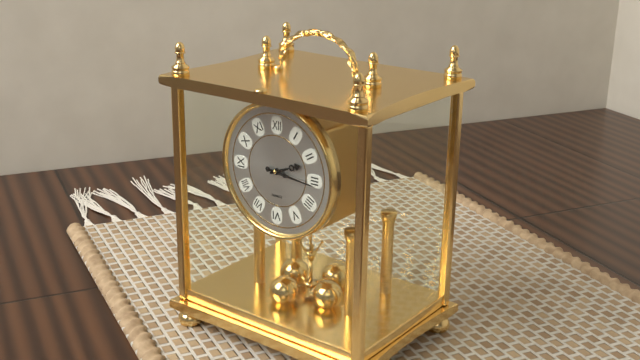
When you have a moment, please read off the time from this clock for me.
2:16
